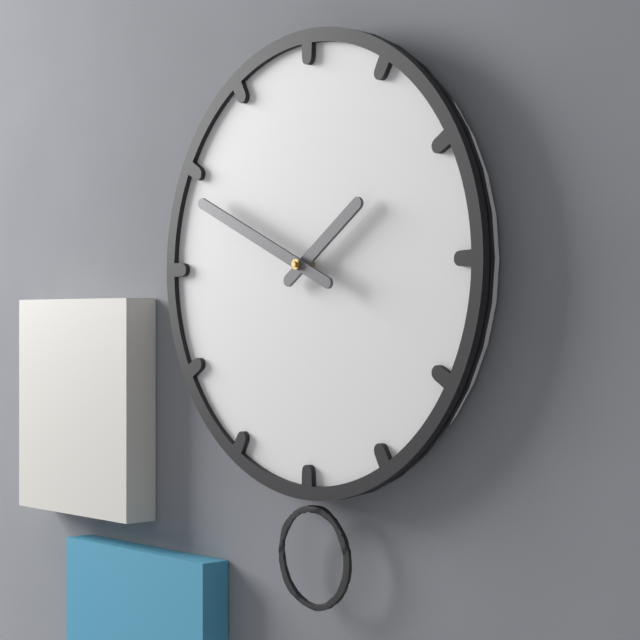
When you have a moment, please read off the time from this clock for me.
1:49
